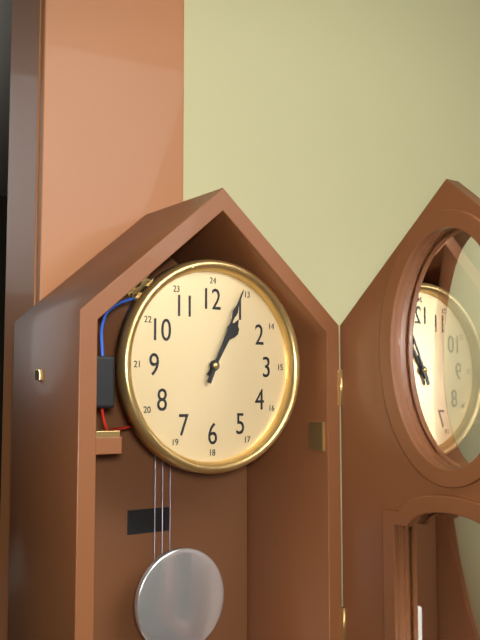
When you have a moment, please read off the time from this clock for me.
1:04
